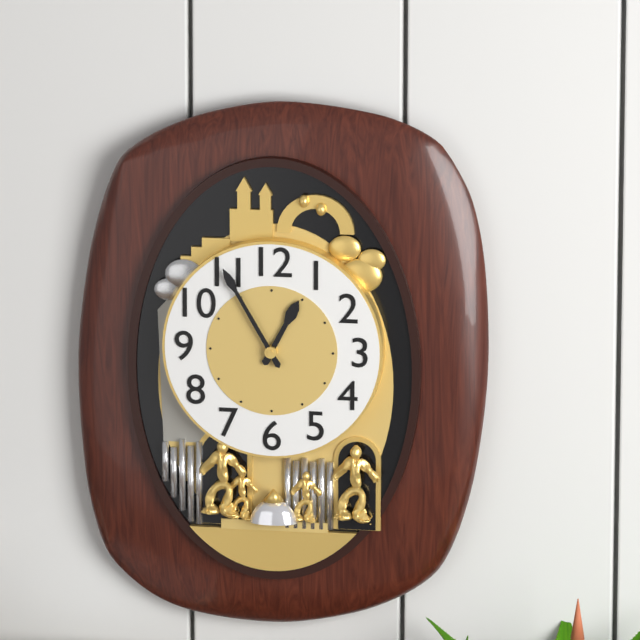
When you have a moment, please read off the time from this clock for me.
12:55
